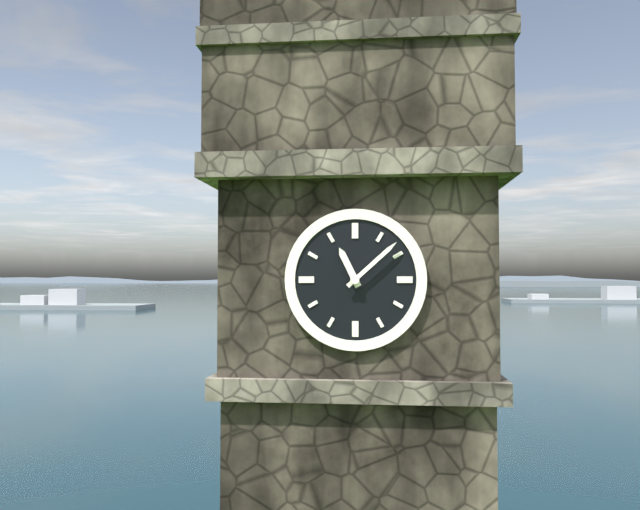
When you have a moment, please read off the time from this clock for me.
11:08
